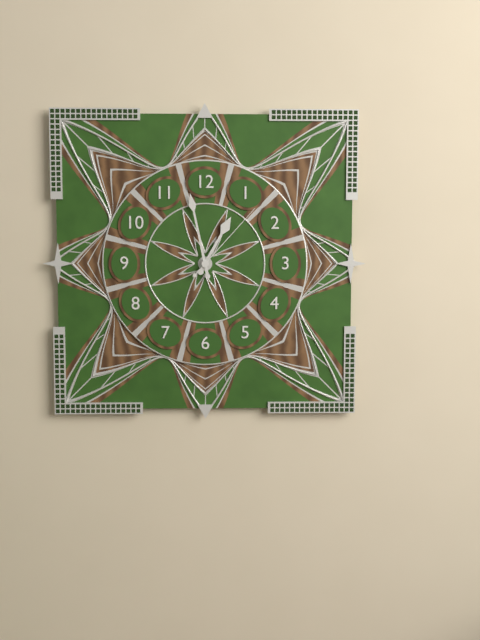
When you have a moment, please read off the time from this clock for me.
12:58:07
